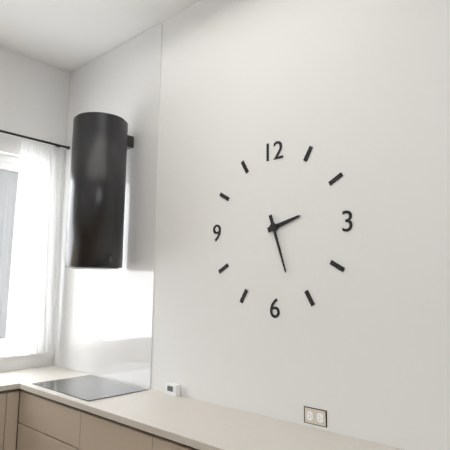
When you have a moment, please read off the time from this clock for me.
2:27
